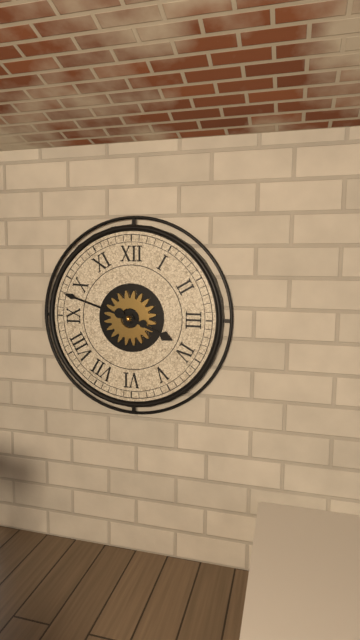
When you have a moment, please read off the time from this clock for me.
3:48
